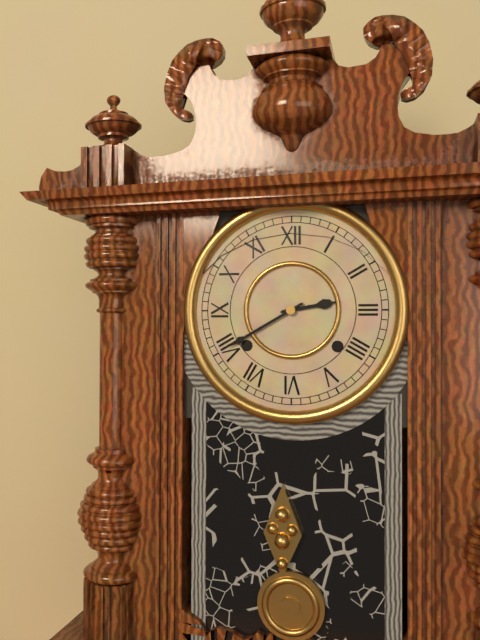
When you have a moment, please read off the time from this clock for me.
2:40
